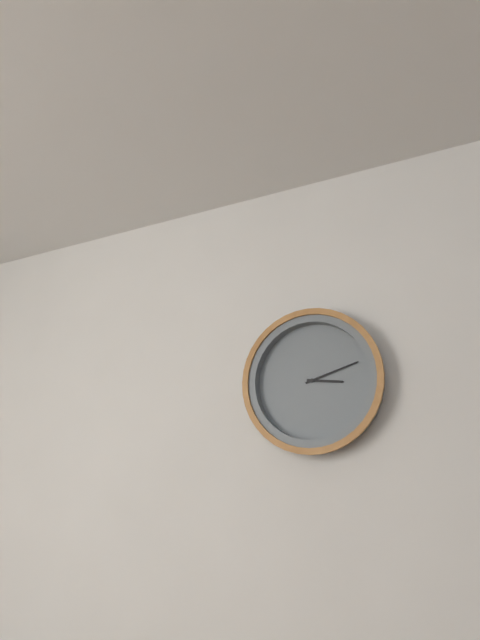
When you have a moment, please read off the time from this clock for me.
3:12
